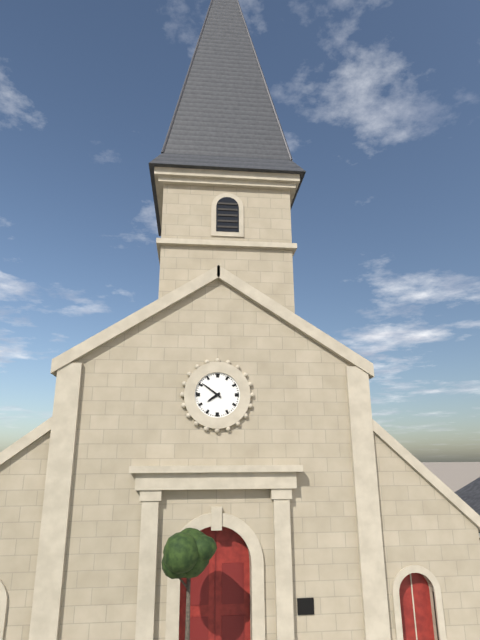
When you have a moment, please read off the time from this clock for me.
7:51
